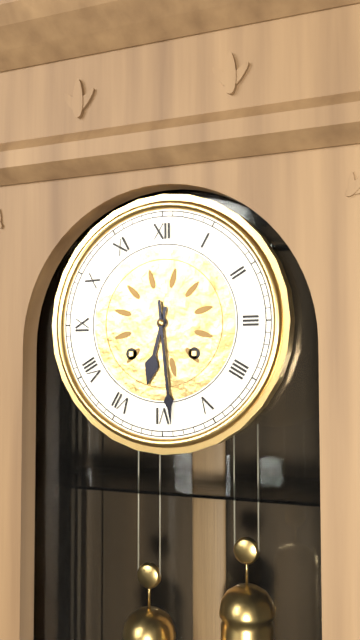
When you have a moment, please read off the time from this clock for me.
6:29
